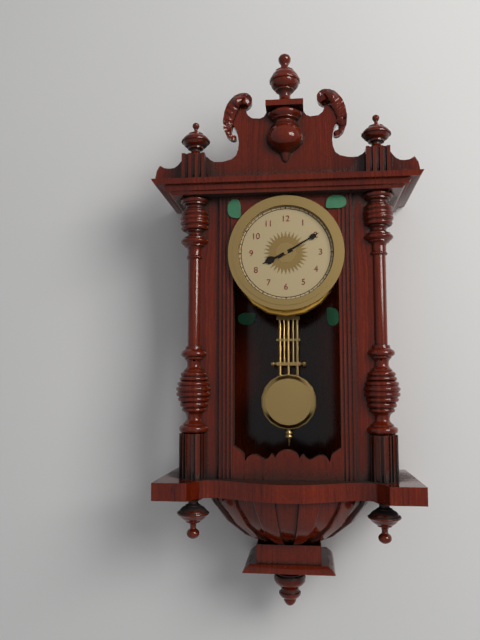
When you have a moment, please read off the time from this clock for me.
8:10
